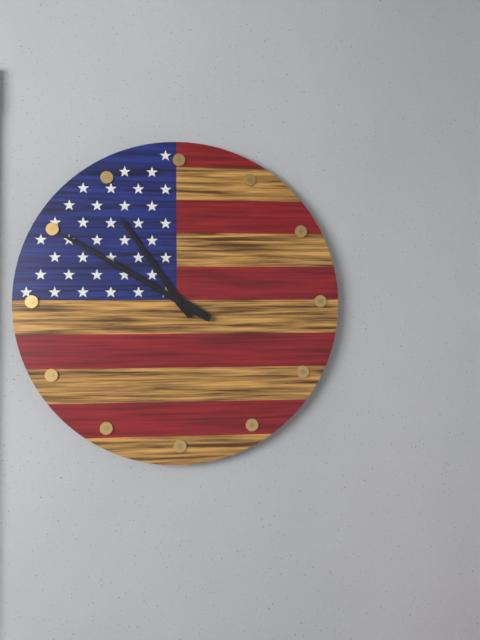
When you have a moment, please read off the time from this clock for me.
10:50
